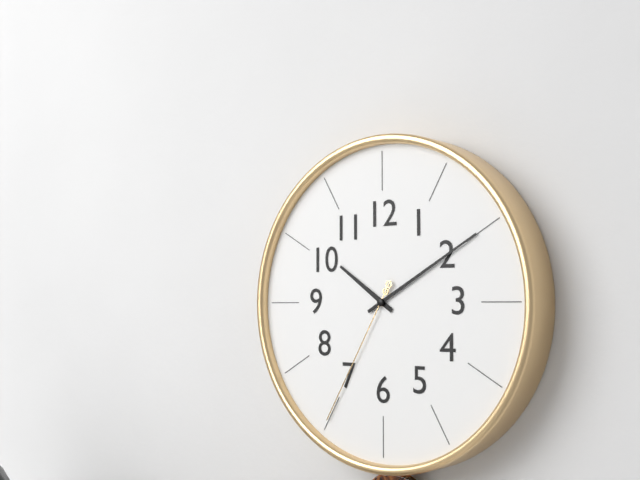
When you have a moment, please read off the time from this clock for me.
10:10:35
